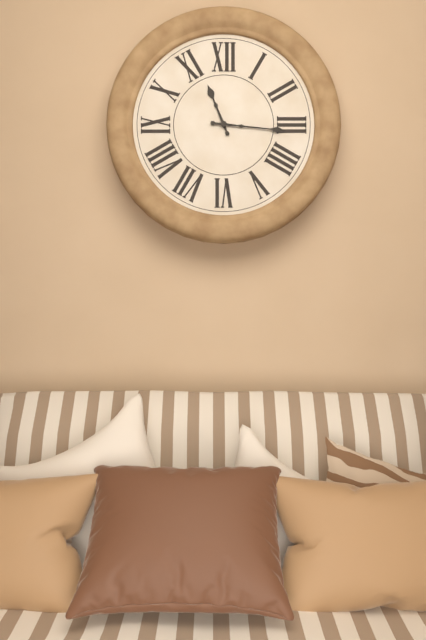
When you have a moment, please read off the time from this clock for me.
11:16
